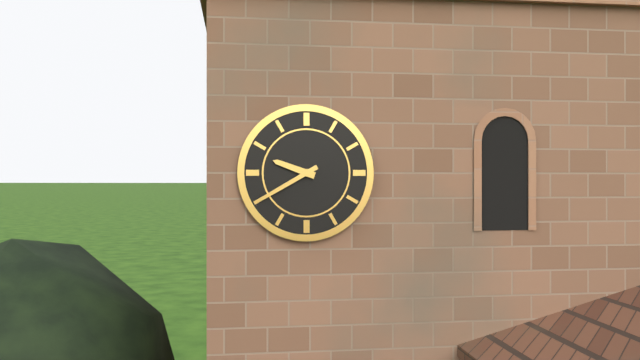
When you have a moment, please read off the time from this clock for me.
9:40
